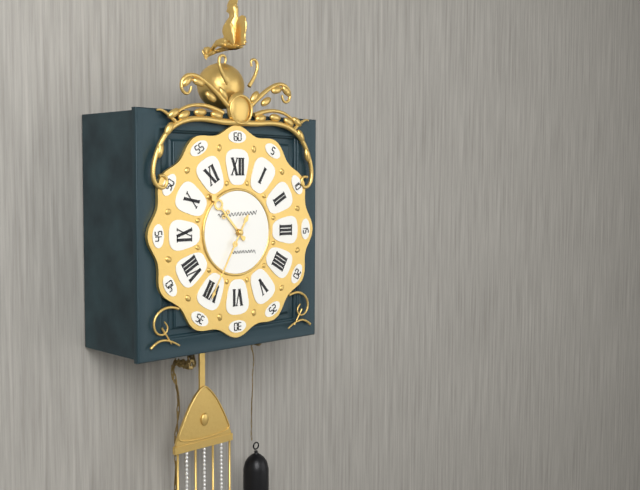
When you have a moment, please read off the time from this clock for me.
10:35
